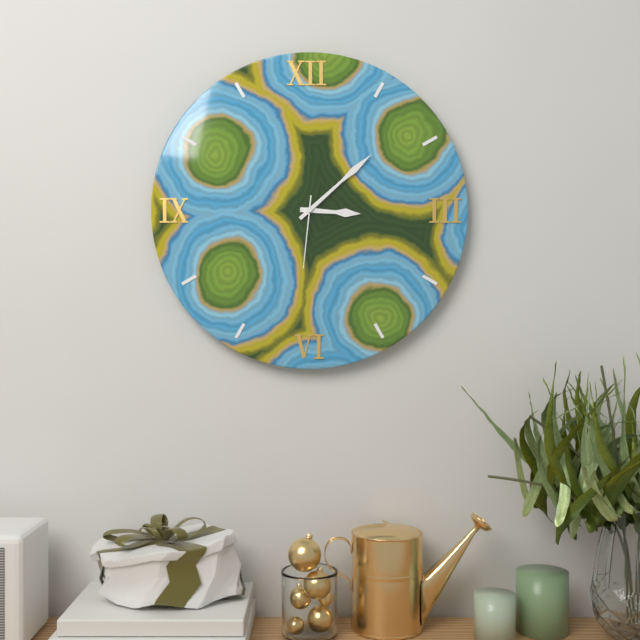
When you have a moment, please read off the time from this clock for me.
3:08:31
